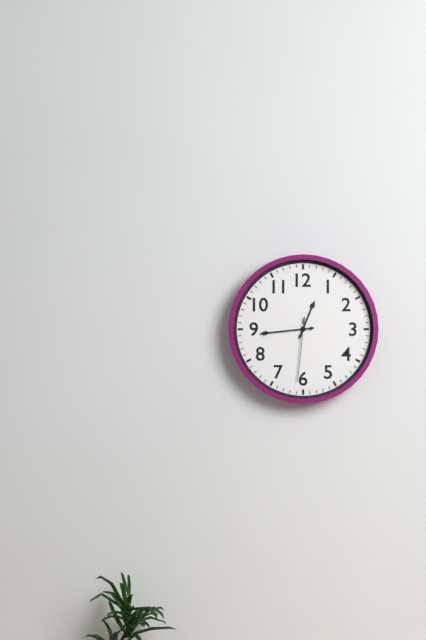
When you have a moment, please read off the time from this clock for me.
12:44:31
